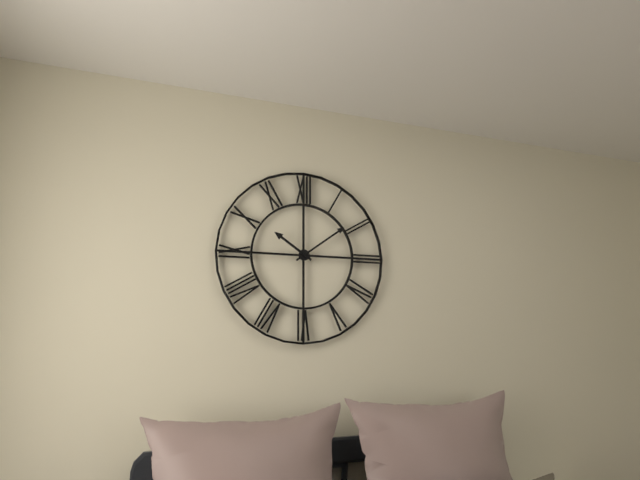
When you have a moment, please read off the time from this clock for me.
10:09
